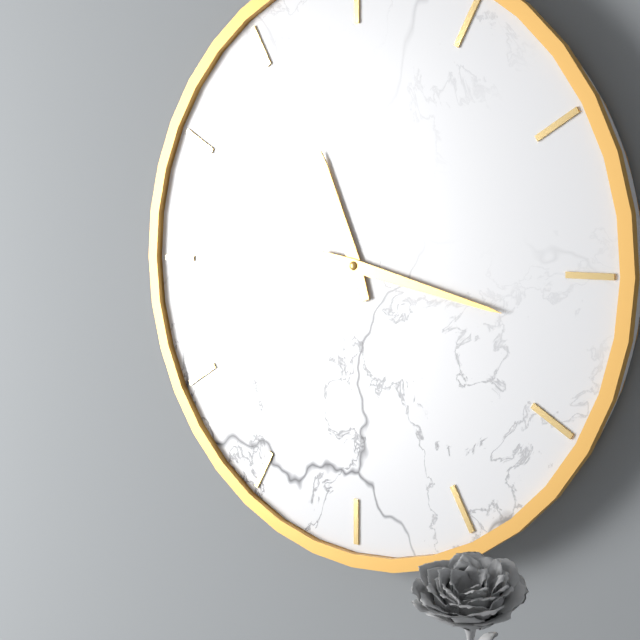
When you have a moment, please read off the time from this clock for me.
11:17
